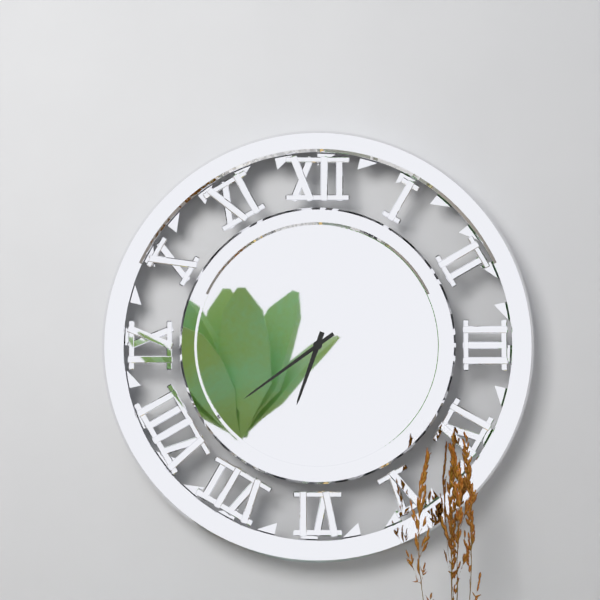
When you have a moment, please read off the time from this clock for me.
6:39
